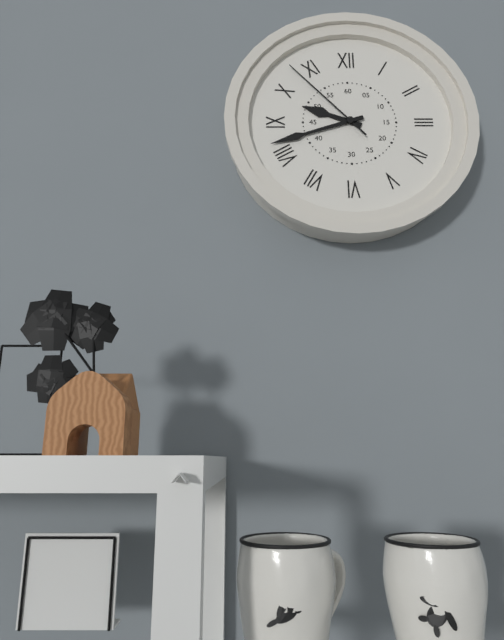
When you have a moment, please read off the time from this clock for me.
9:42:53
